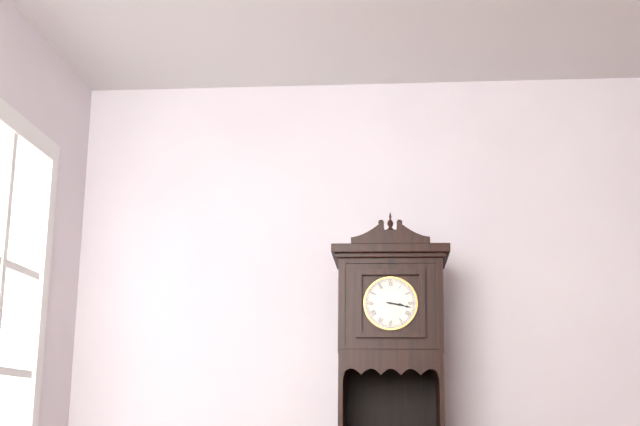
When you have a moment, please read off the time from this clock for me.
3:17
